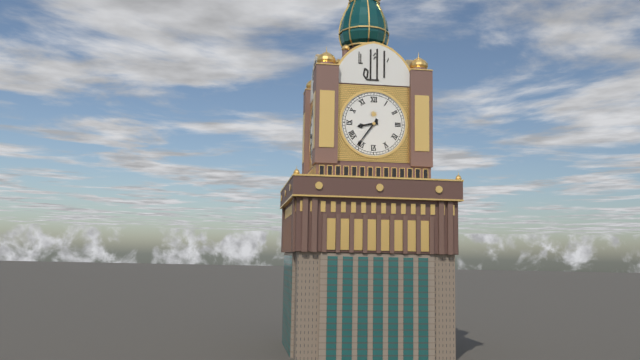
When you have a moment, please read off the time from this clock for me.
8:36
